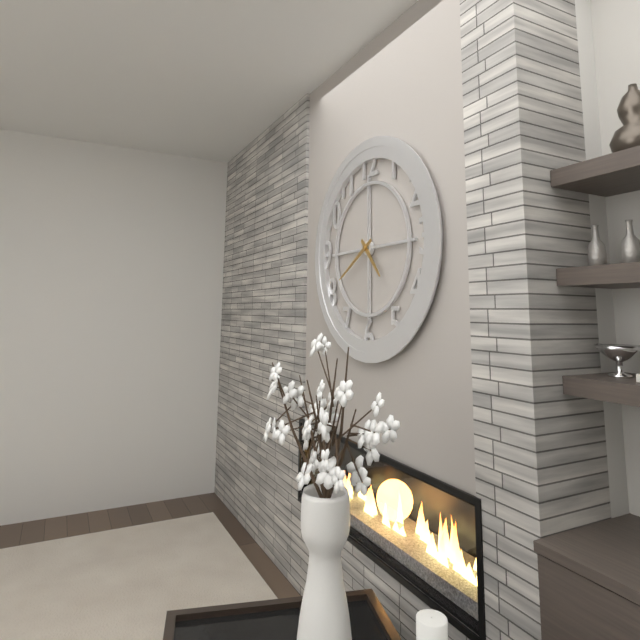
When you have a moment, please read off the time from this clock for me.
4:40
